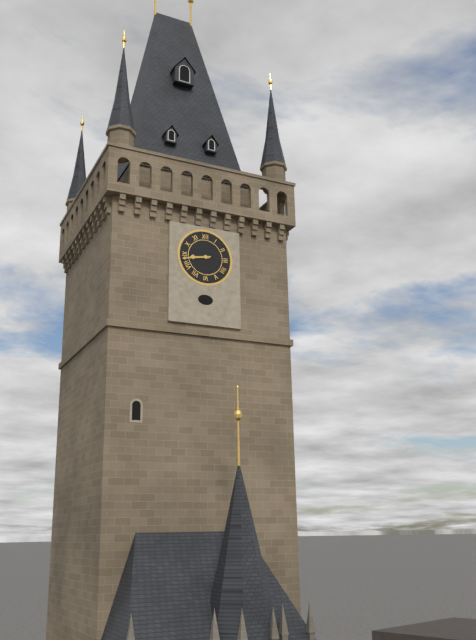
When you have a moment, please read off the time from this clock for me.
8:43
